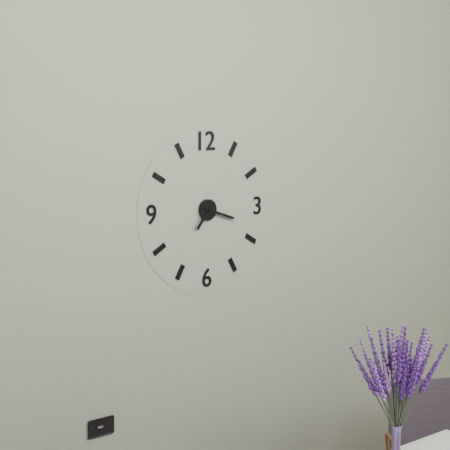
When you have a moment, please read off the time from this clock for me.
7:18
